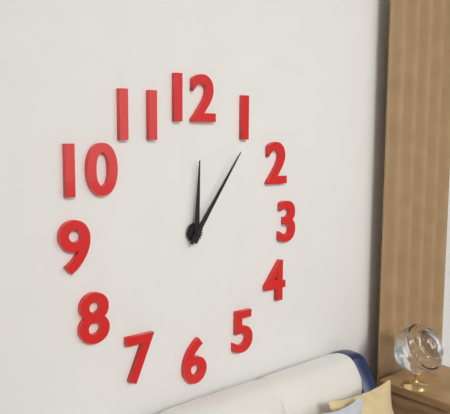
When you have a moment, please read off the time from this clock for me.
12:06
